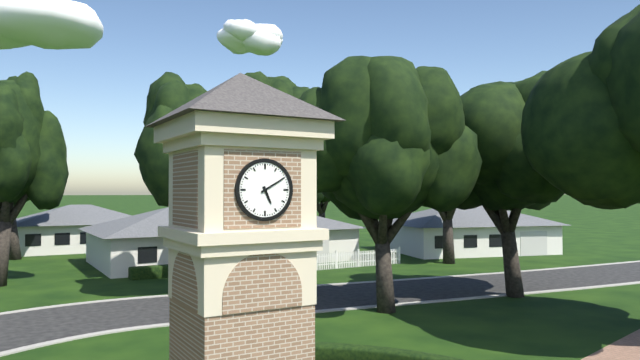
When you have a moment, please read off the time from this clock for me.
5:10
